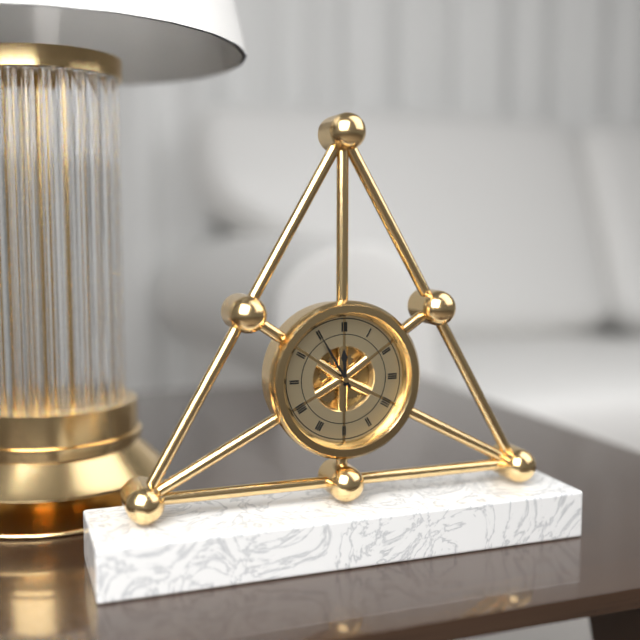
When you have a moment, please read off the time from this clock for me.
11:55
